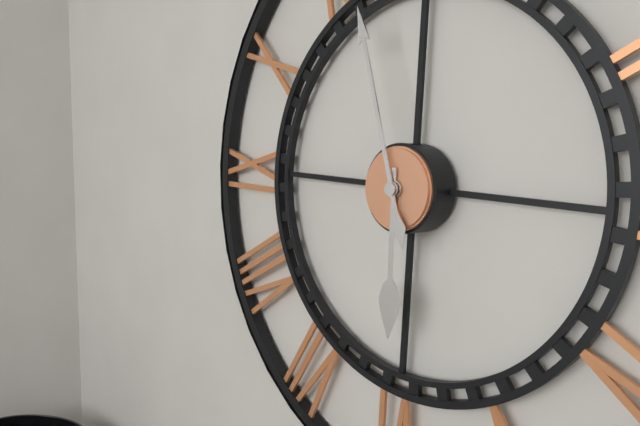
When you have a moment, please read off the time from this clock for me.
5:57
